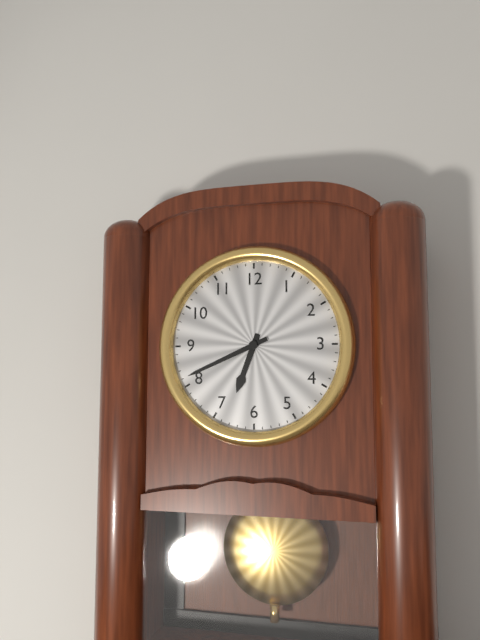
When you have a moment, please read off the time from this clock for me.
6:41
